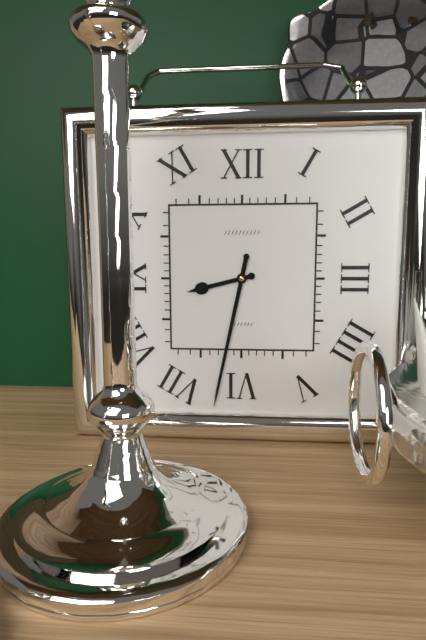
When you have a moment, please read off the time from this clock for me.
8:32
